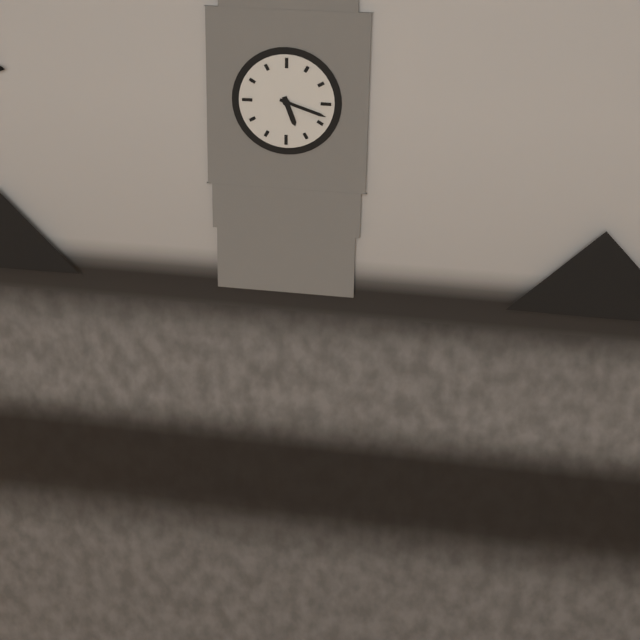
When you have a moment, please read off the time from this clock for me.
5:18
